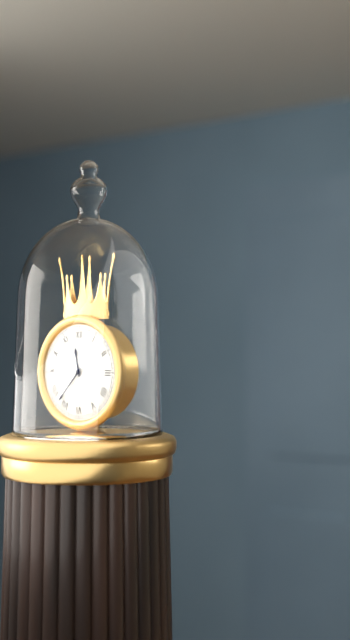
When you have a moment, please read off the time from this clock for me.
11:37
